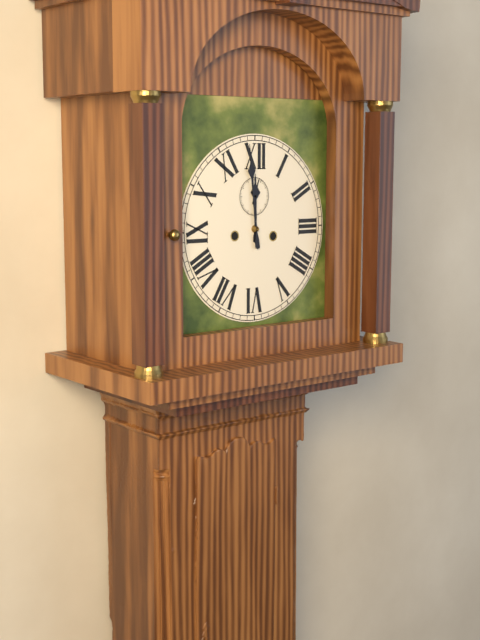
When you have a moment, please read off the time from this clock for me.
11:59
